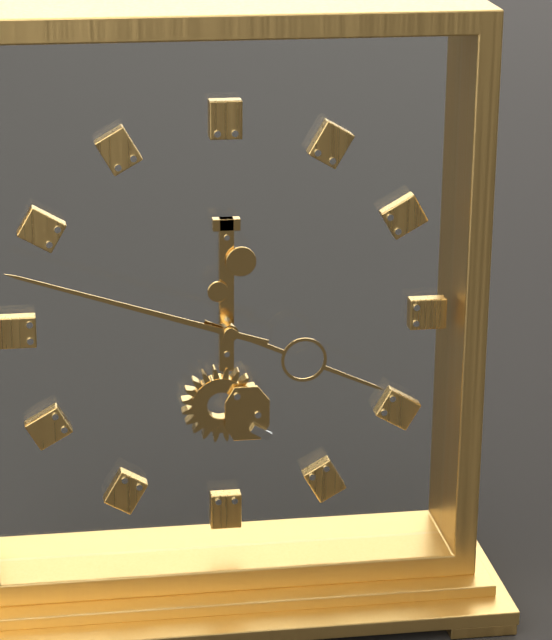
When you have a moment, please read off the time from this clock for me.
3:48
